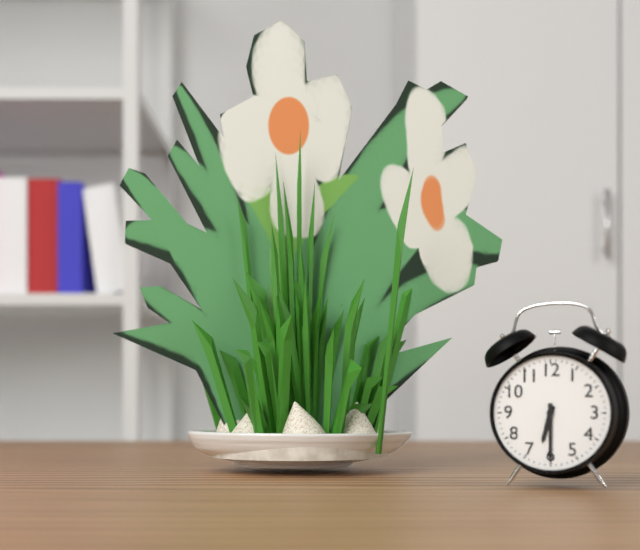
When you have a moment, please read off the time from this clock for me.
6:30
